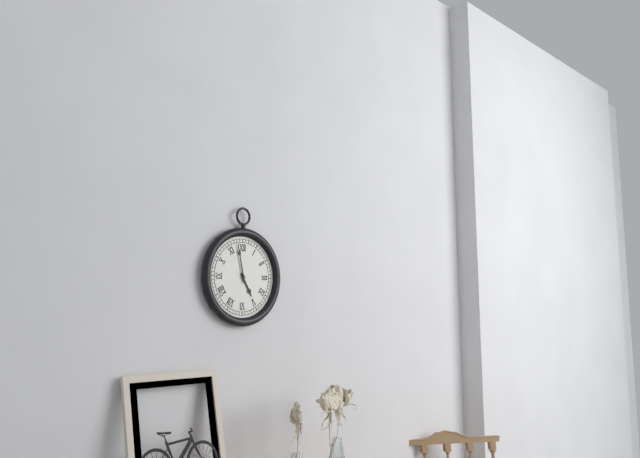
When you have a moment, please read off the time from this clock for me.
4:58
